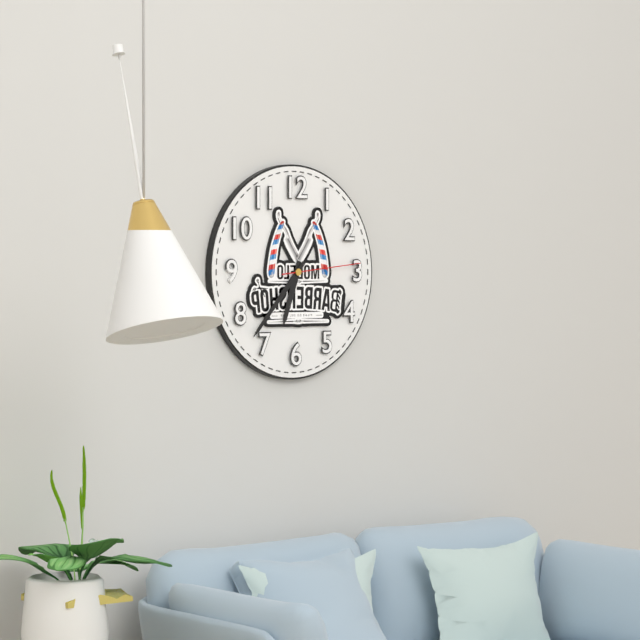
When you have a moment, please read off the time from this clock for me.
6:37:14
